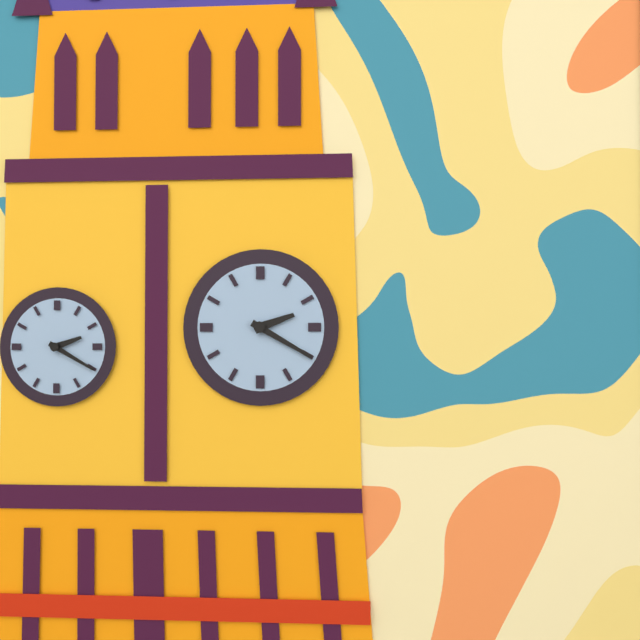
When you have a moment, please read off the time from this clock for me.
2:20
